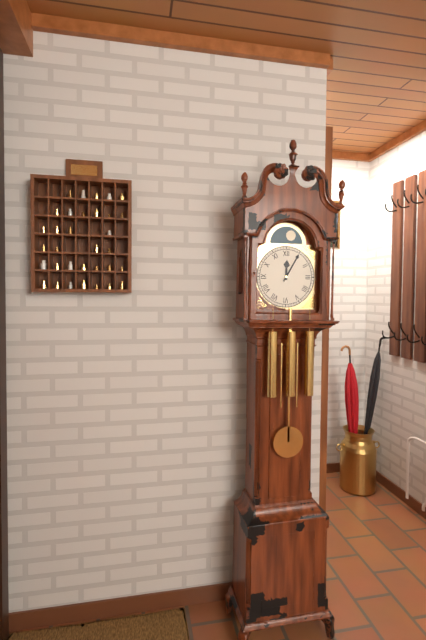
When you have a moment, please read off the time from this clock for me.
12:05
